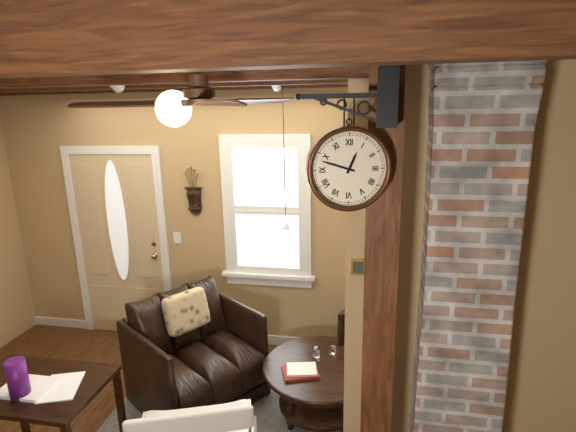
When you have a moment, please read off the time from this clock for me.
12:48
